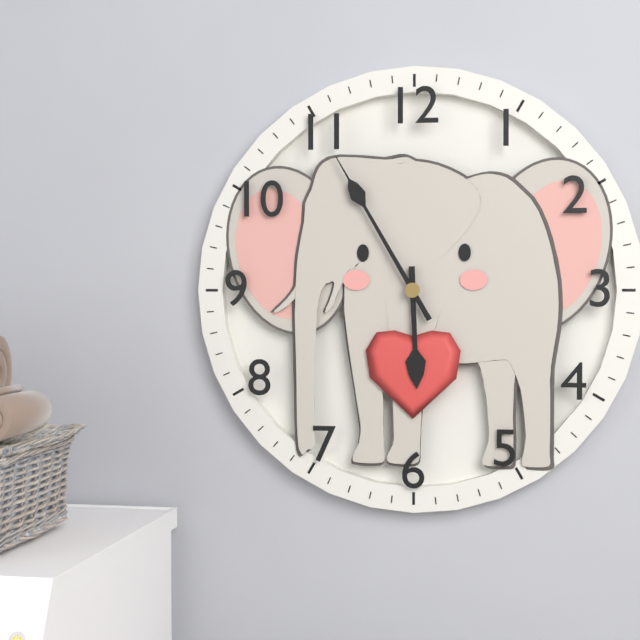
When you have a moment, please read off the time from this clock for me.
5:55
